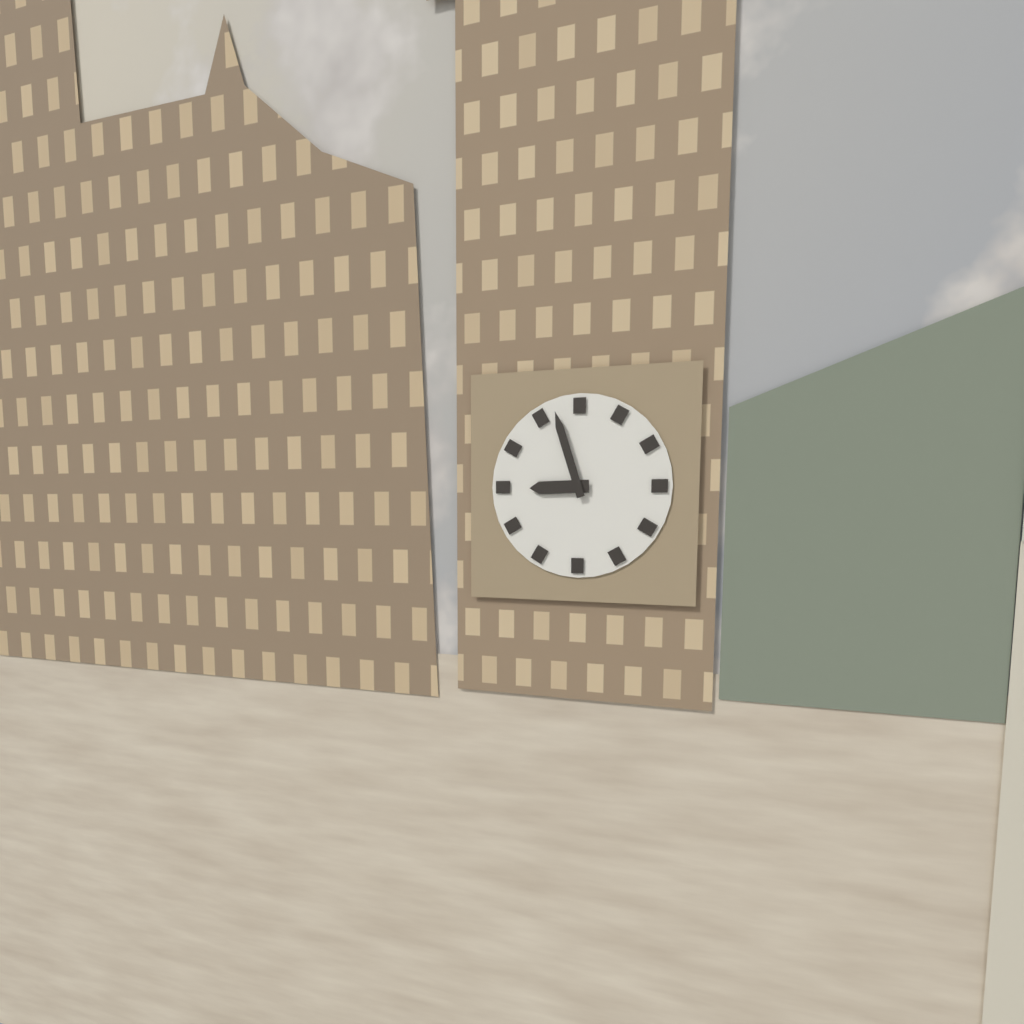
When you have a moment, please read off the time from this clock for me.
8:57
